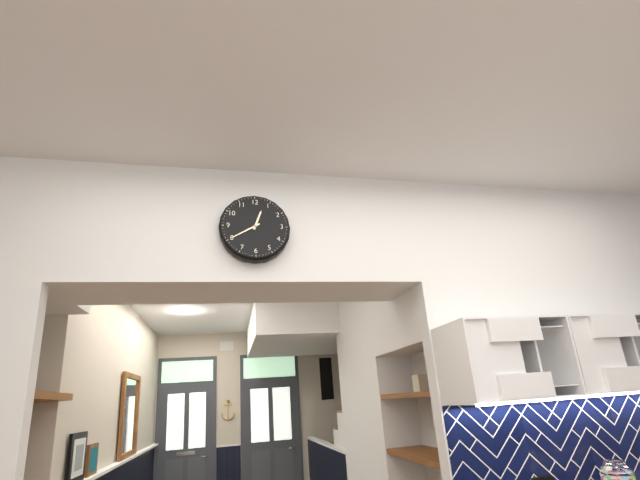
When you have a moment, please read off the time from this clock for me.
12:40
